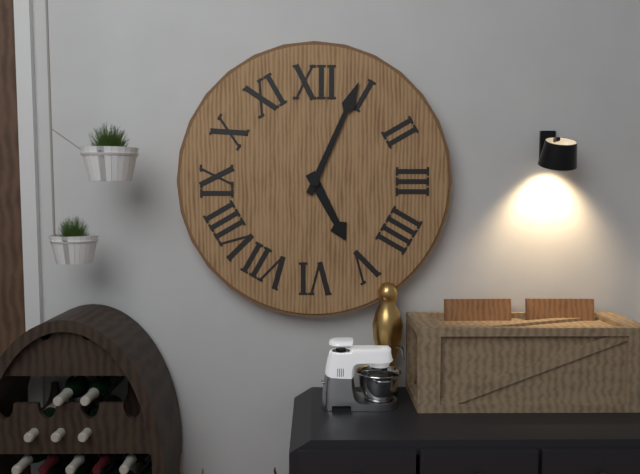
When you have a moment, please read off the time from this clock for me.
5:04
